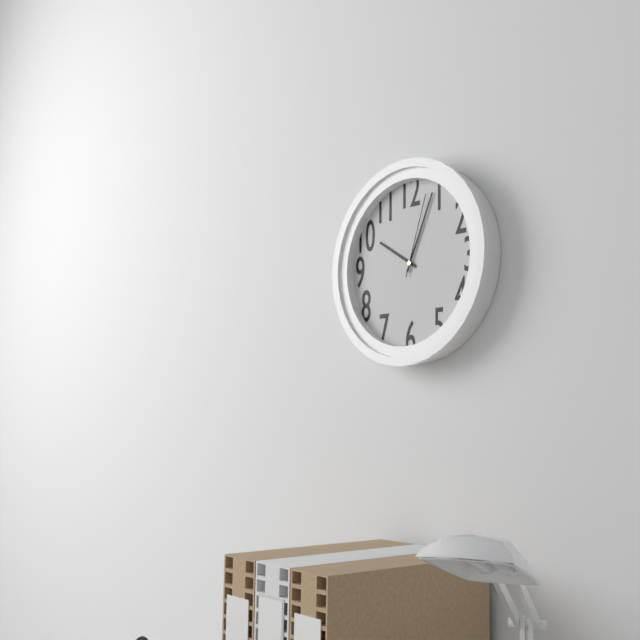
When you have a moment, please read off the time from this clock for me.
10:04:03
